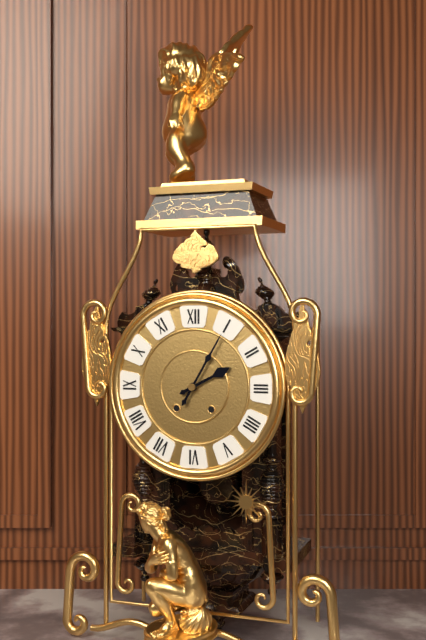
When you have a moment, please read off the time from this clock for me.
2:05
